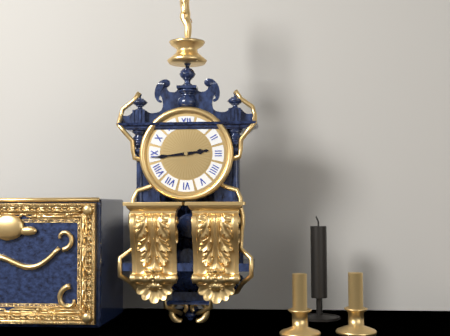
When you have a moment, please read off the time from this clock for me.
2:44
